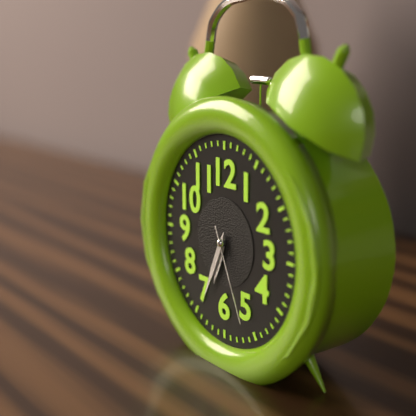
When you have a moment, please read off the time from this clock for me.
6:34:26
